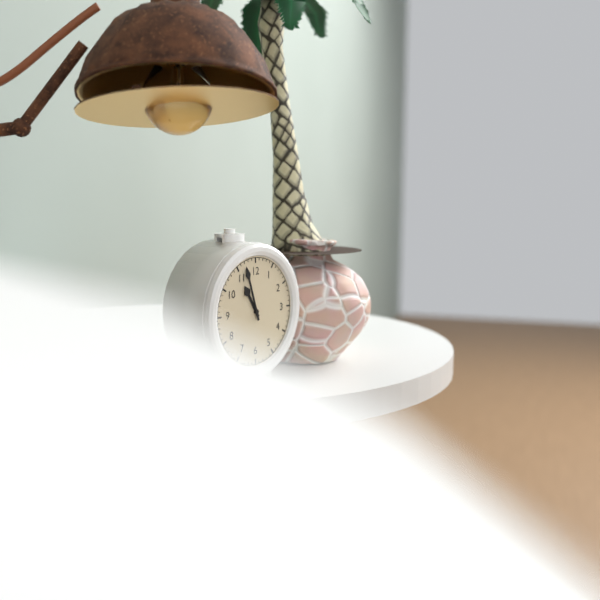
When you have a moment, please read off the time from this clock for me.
10:57
